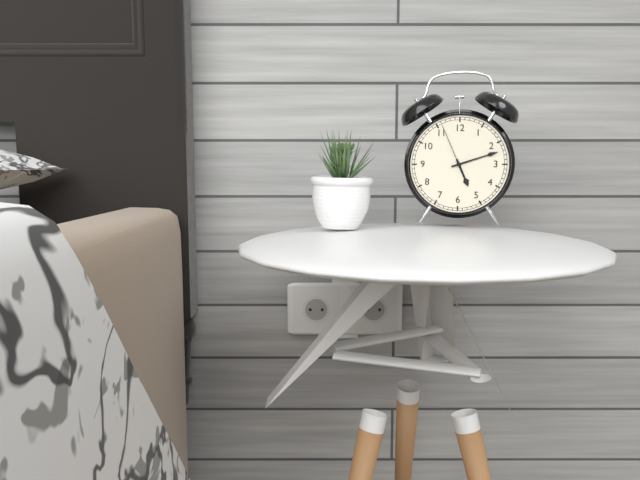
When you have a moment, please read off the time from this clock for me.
5:12:56
